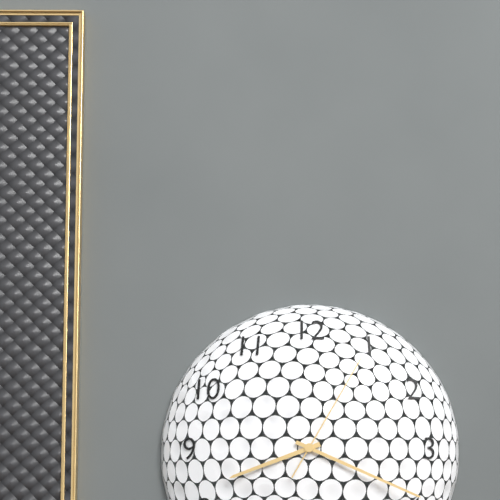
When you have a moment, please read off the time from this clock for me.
8:19:05
